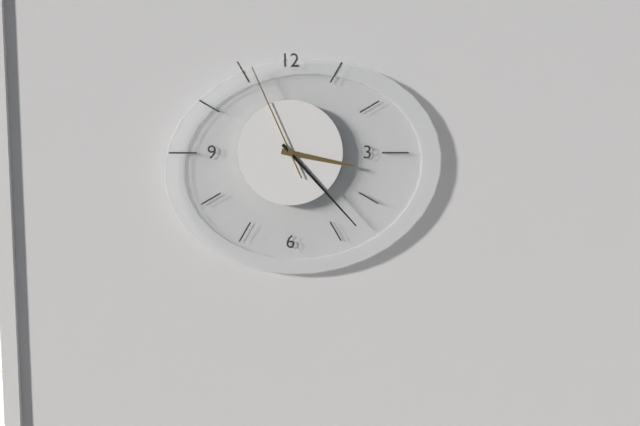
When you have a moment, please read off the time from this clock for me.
3:23:56
